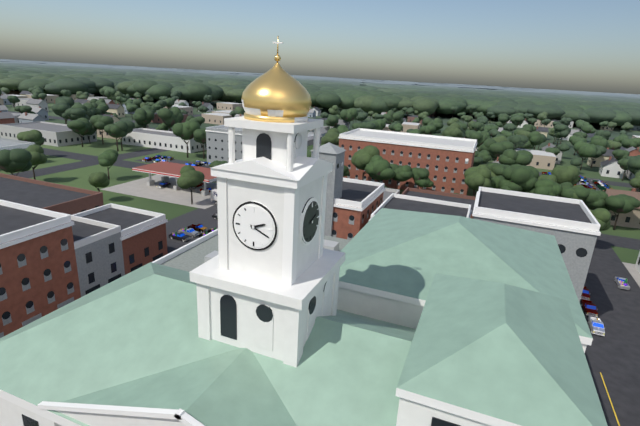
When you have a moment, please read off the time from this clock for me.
2:19
